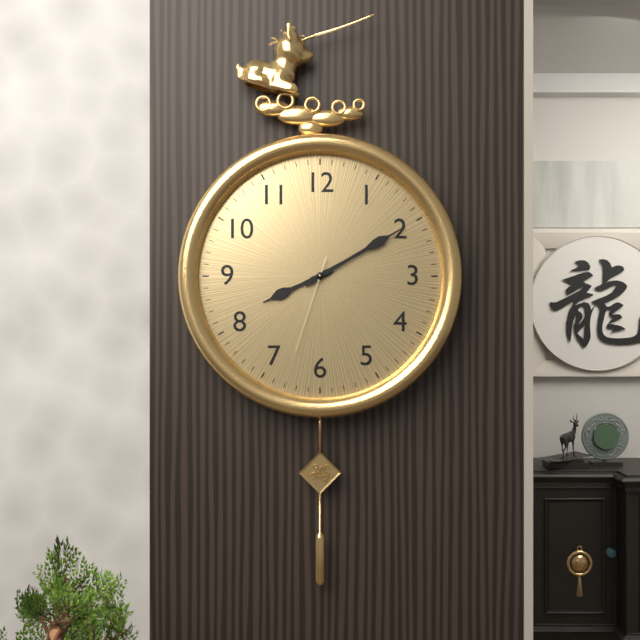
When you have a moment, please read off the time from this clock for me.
8:10:33
